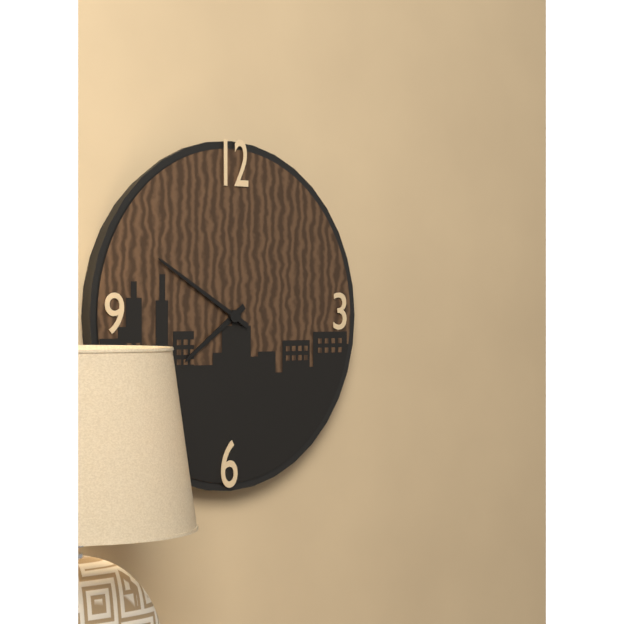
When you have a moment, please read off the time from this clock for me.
7:50
